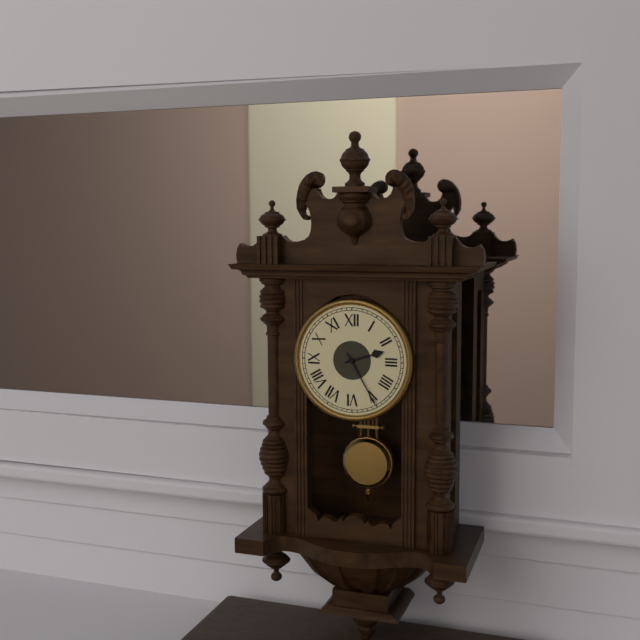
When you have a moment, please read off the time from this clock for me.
2:25
